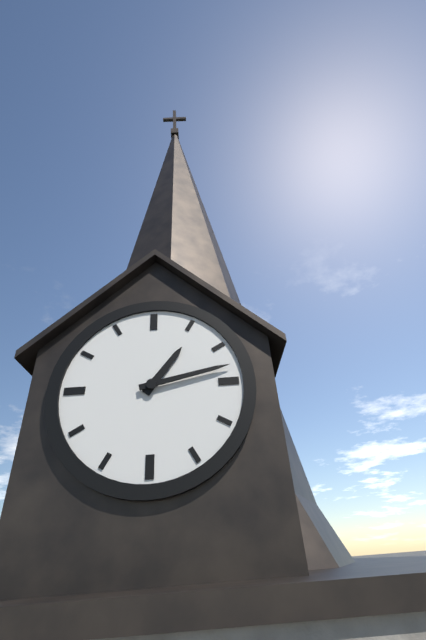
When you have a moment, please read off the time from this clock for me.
1:13
